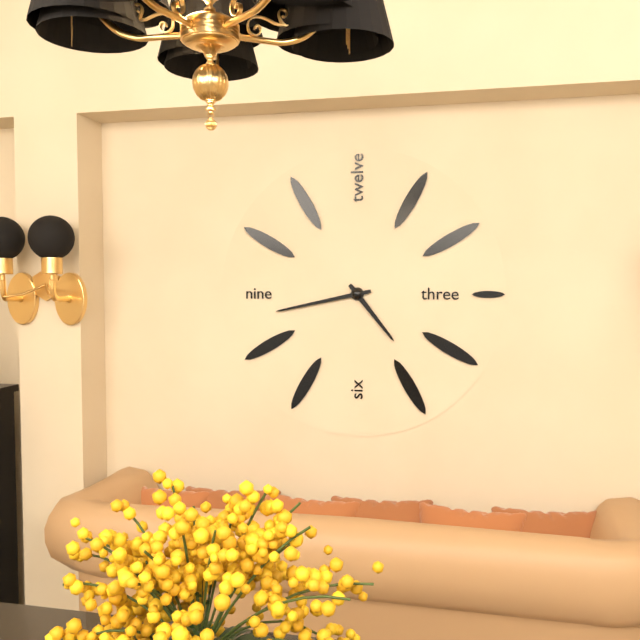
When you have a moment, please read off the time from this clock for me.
4:43
